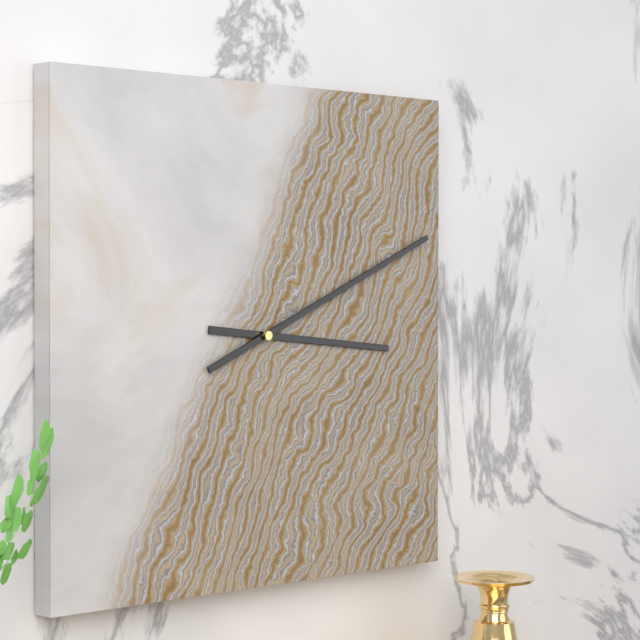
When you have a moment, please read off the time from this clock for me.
3:11
